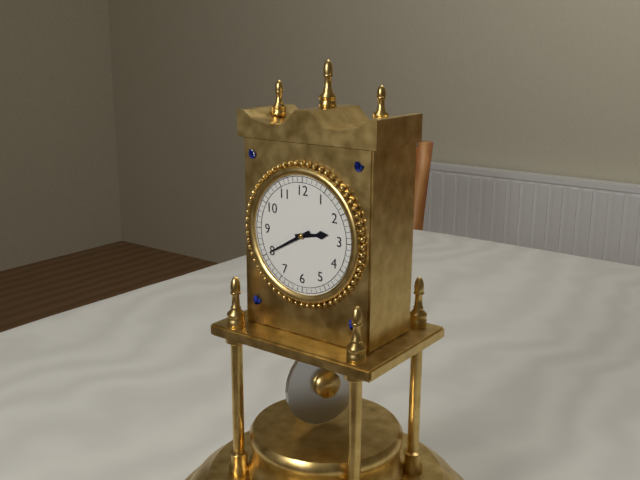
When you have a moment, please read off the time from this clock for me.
2:40
